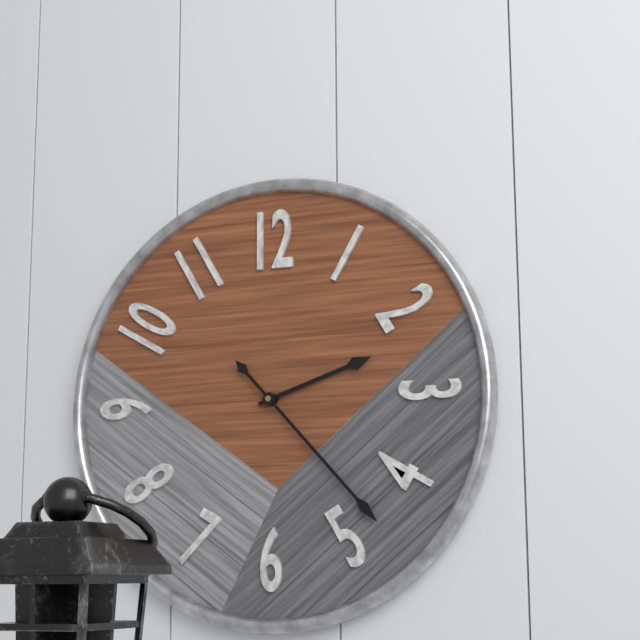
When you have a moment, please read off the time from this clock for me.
2:23
